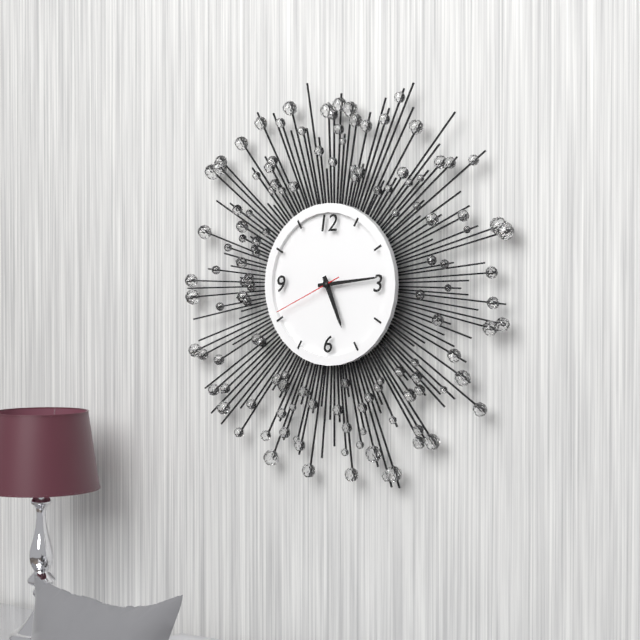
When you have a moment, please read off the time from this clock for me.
5:14:41
